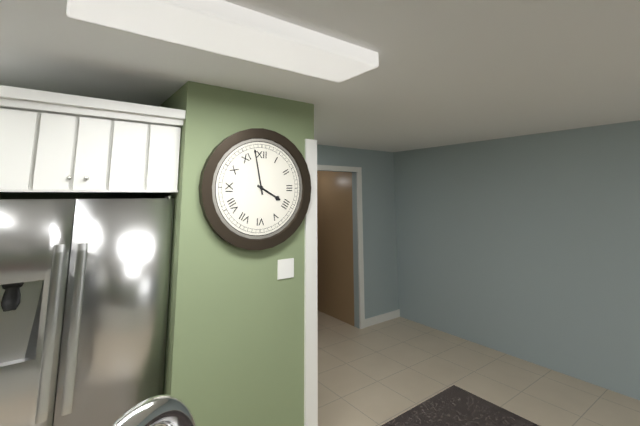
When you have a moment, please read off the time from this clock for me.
3:58
